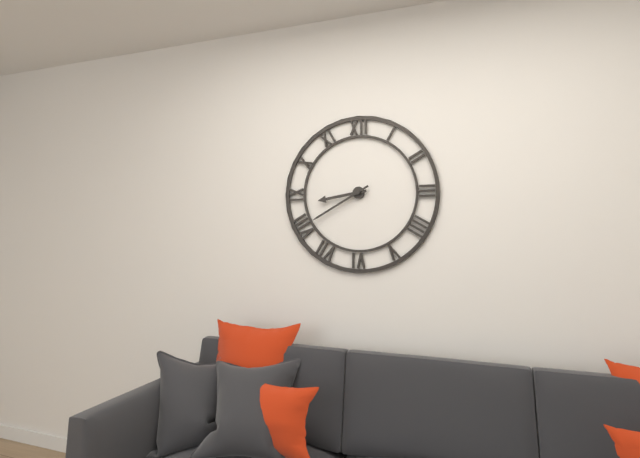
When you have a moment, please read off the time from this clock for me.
8:40
